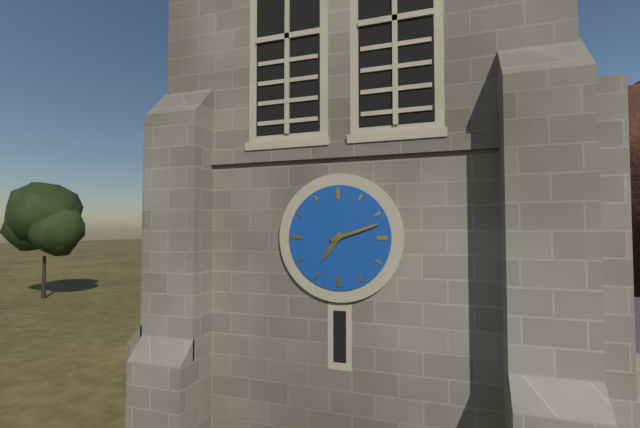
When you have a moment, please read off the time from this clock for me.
7:12
